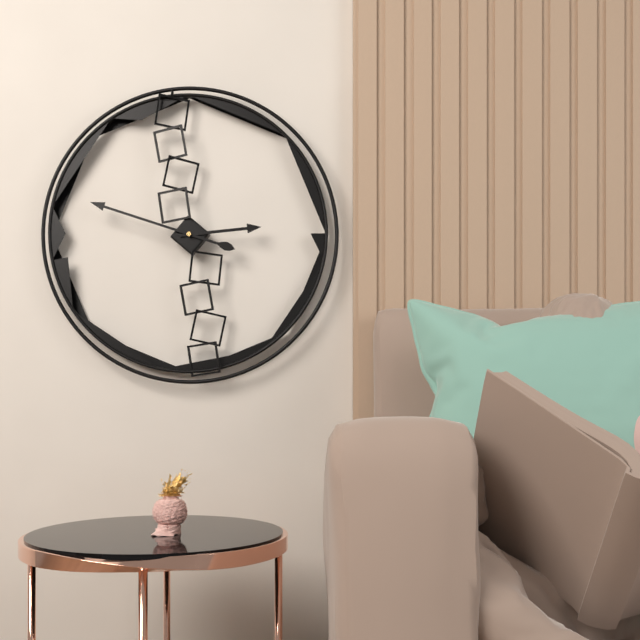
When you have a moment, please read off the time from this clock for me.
2:48
